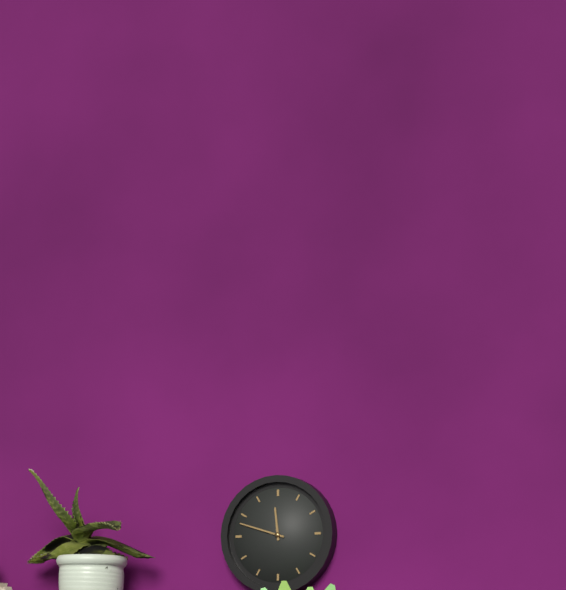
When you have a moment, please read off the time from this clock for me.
11:48
